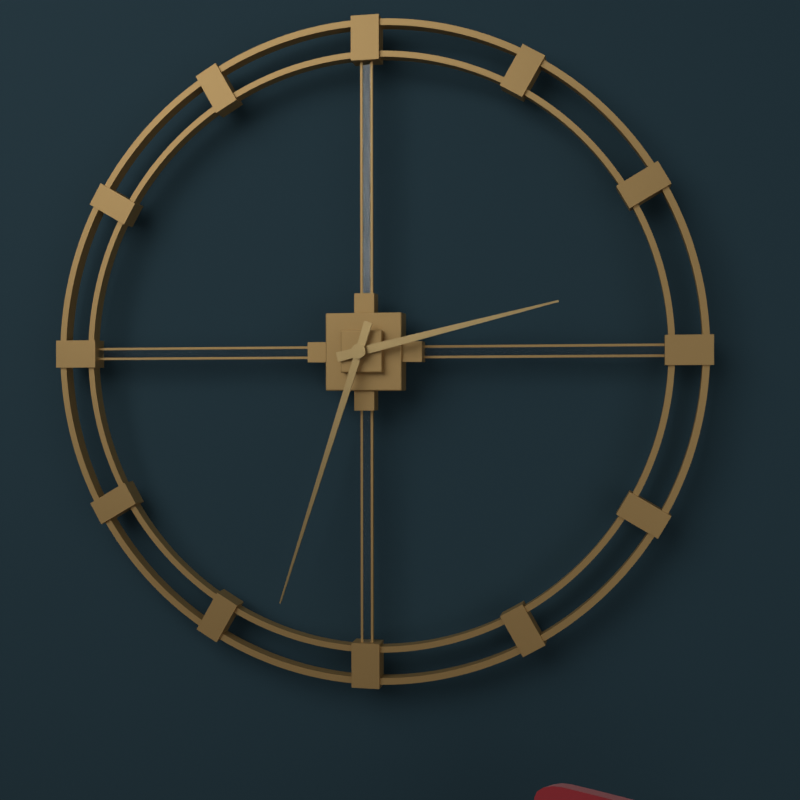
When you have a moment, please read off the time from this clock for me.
2:33
